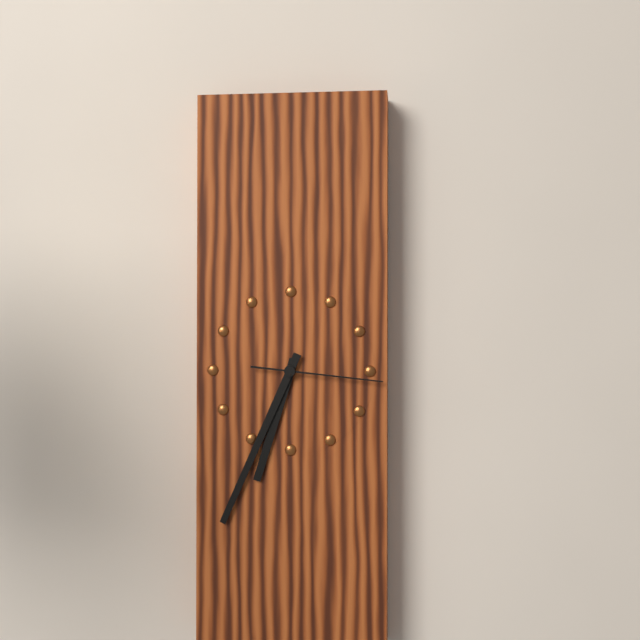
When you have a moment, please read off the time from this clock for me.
6:34:16
